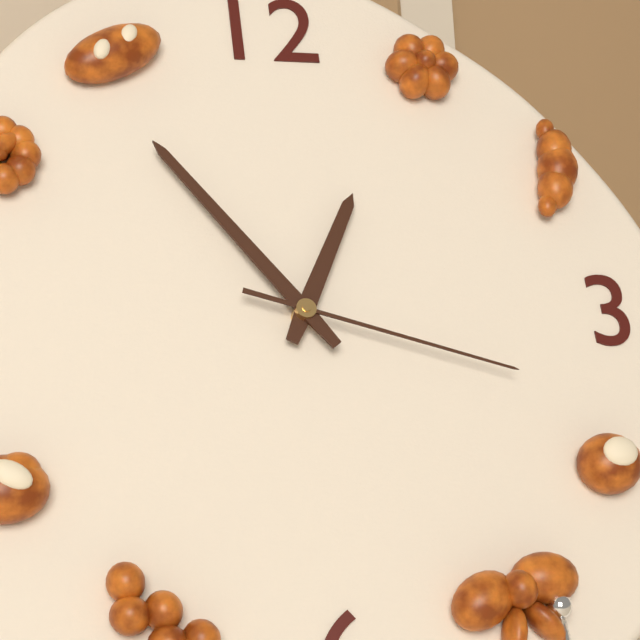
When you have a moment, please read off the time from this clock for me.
12:54:18
